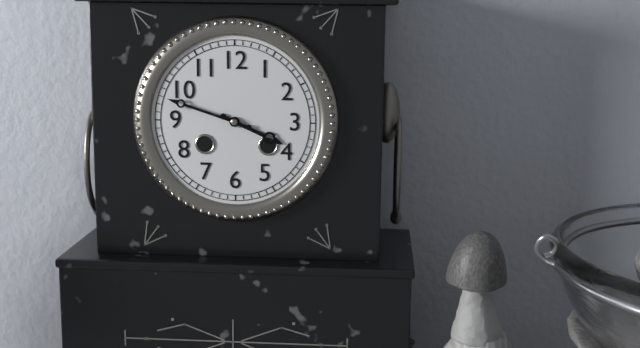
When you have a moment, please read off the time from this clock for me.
3:48
